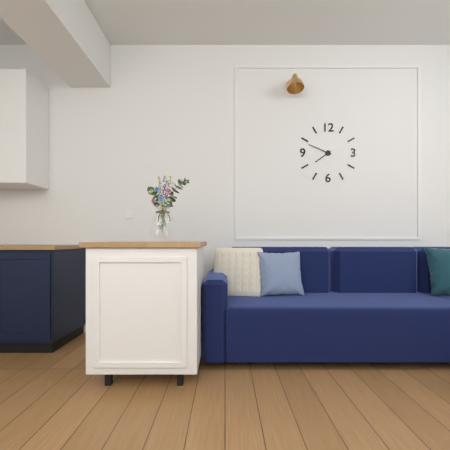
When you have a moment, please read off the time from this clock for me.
7:49
